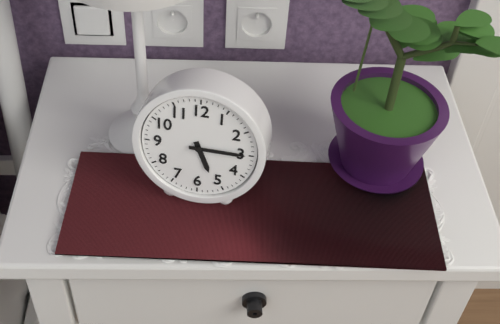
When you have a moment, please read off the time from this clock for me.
5:15
